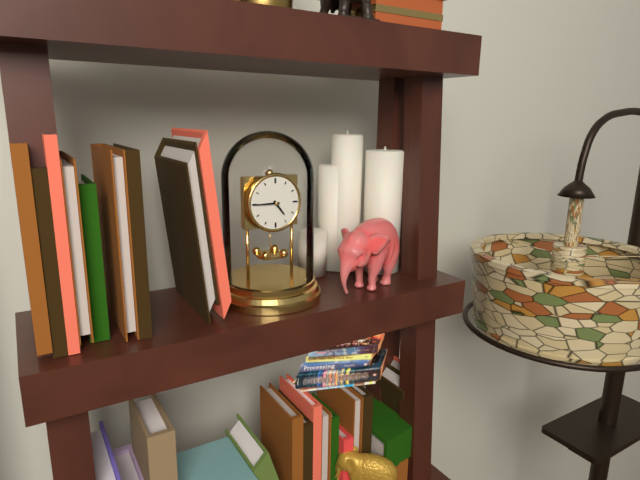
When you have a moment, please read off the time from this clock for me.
4:45
